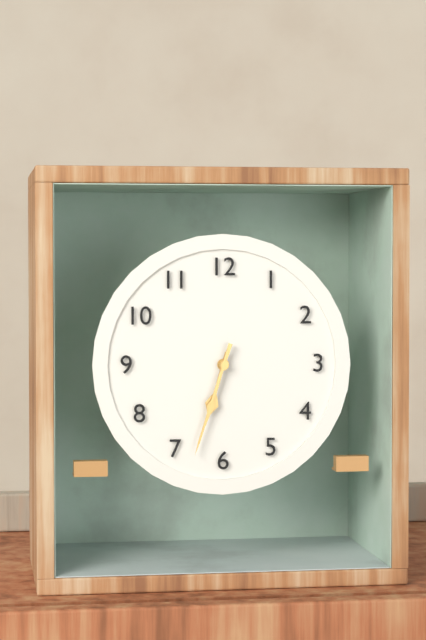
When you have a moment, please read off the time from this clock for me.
6:33
